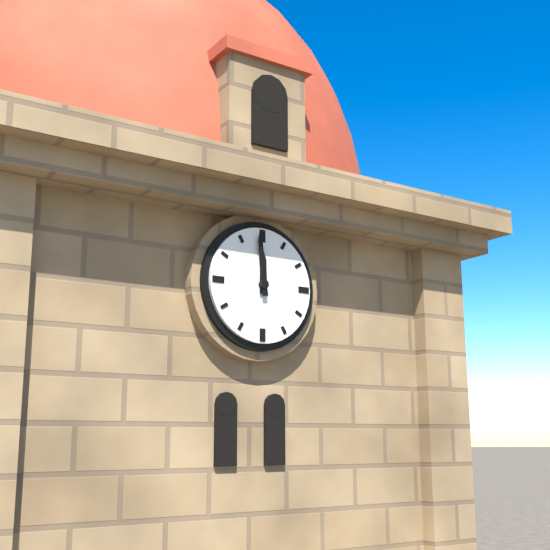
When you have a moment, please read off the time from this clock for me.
11:59
